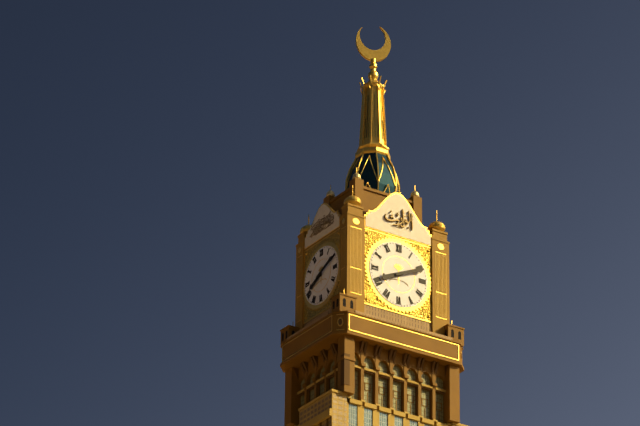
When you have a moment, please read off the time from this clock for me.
8:11
